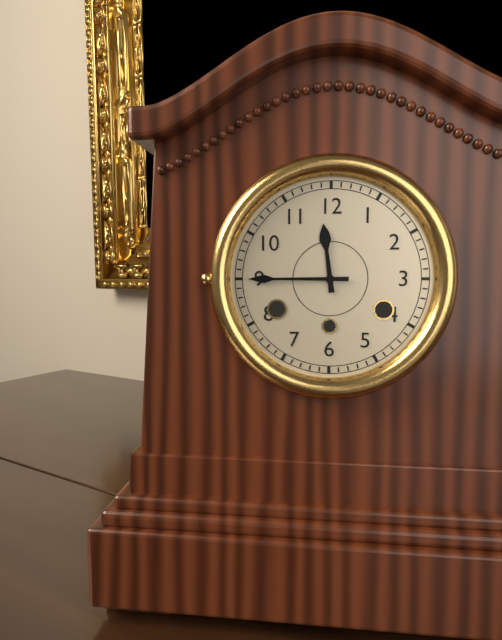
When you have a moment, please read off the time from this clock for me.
11:45
